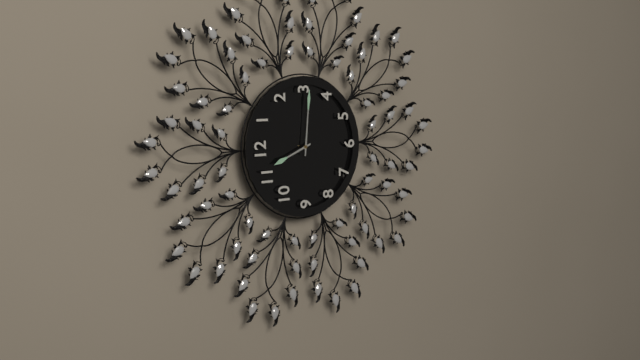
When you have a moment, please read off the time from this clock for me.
11:16
